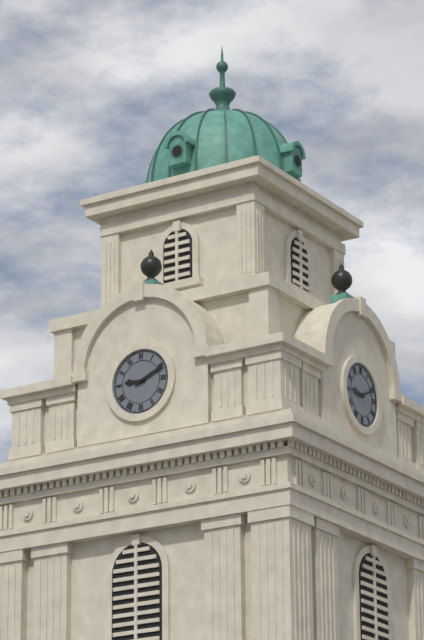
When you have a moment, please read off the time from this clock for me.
9:11
